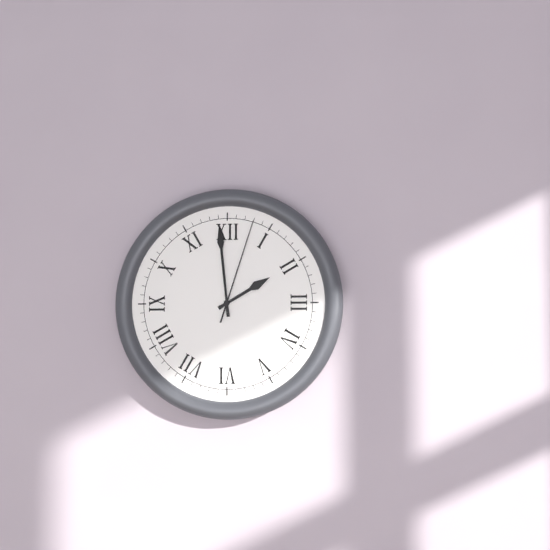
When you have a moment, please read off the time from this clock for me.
1:59:03
